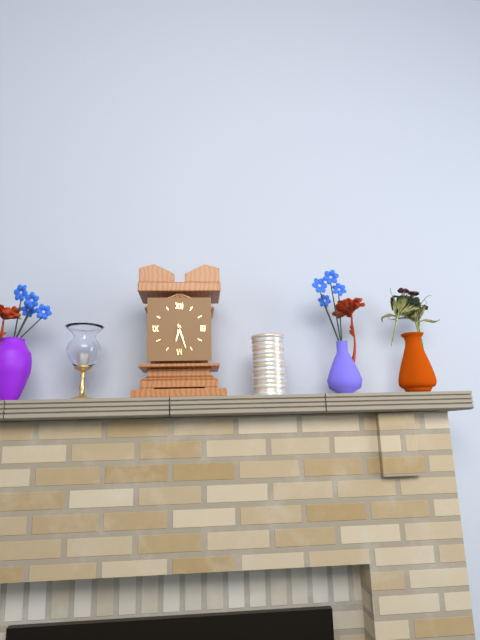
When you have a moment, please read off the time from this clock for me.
6:27
